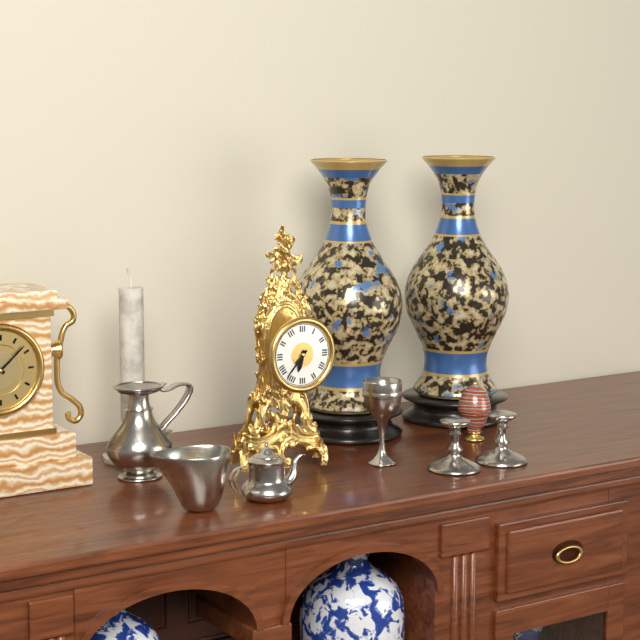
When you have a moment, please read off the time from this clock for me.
6:37
